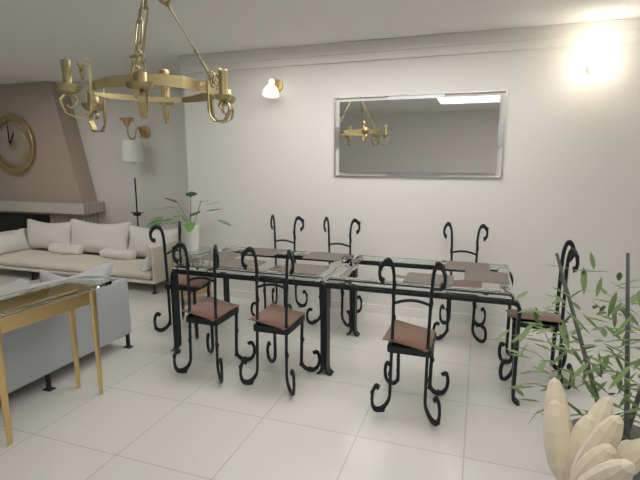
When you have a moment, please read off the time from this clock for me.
1:00
